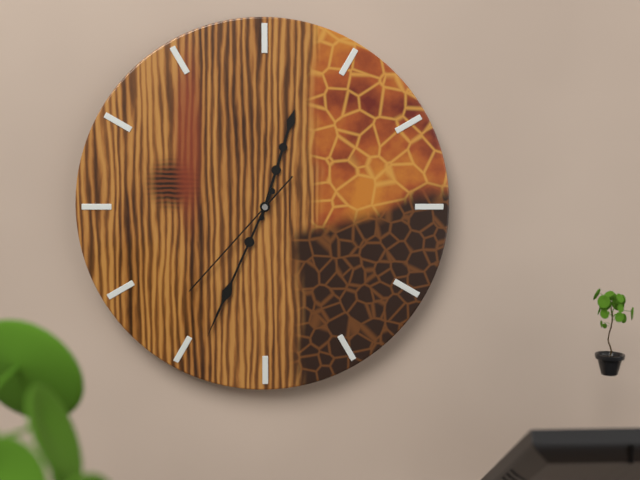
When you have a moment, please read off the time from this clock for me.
12:34:37
